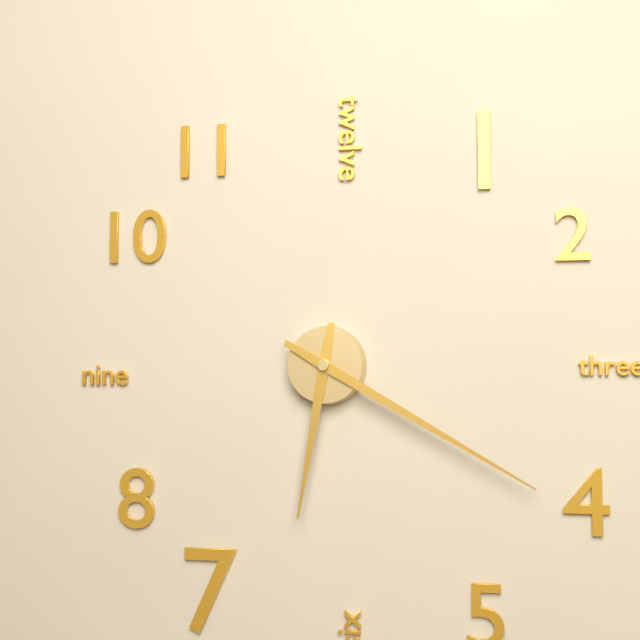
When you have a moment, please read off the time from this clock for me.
6:20
